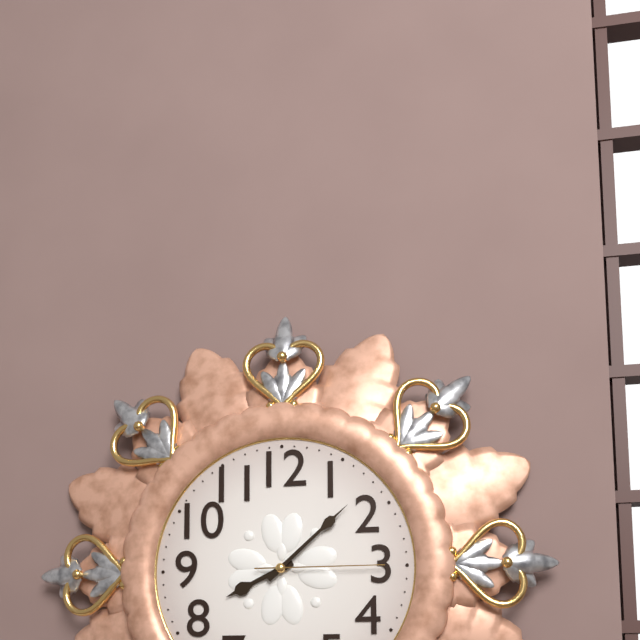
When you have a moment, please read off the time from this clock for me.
8:08:15
